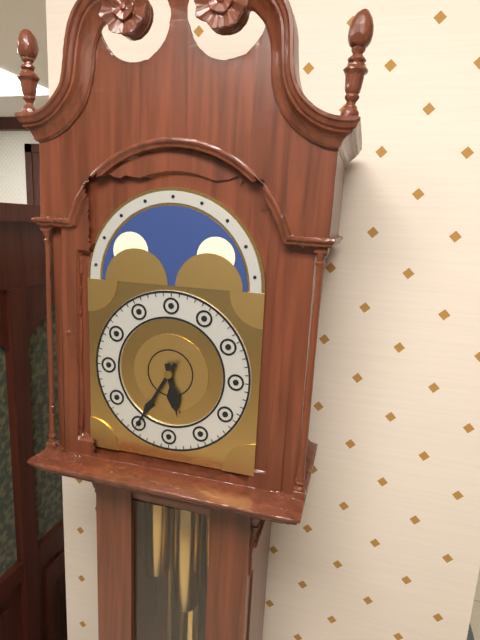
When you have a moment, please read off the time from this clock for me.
5:35
